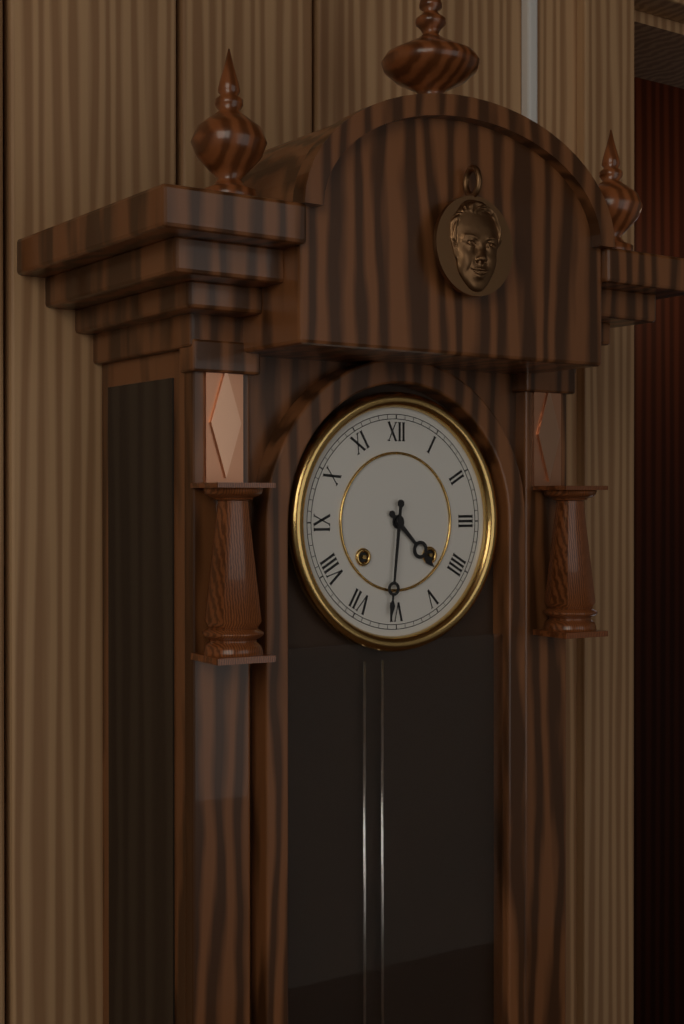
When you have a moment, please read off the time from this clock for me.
4:31
